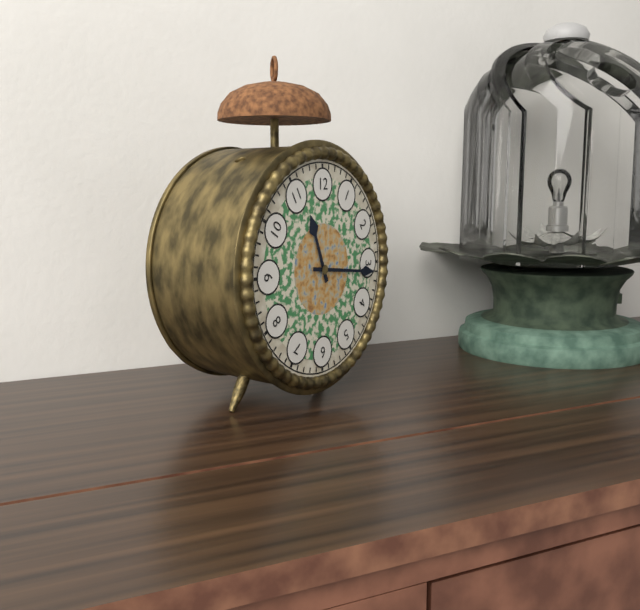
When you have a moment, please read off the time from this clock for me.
11:16
